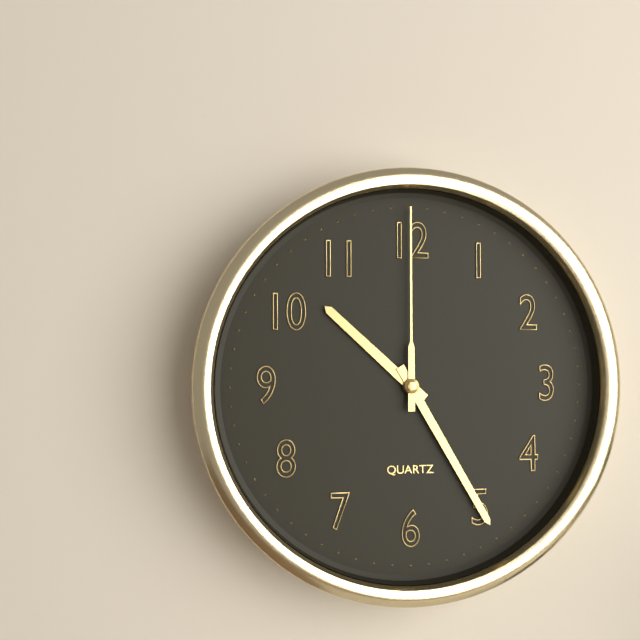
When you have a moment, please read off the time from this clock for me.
10:25:00
